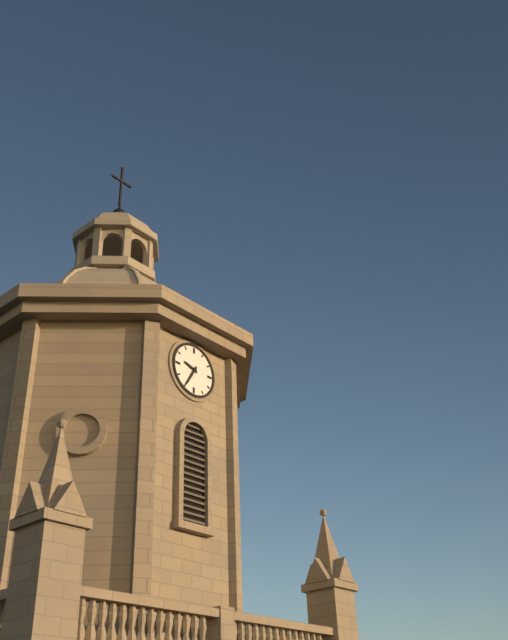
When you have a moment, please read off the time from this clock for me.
9:35
